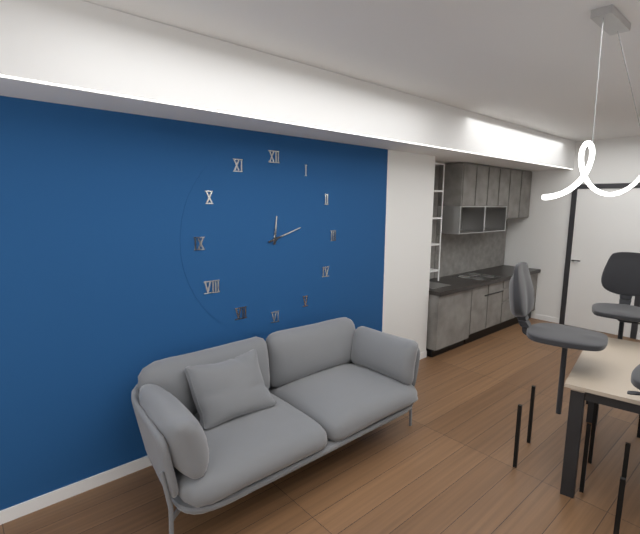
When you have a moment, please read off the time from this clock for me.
12:12
